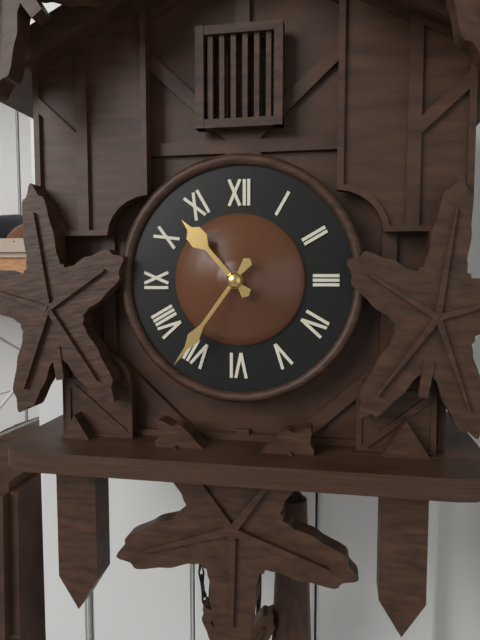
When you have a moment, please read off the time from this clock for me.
10:36
